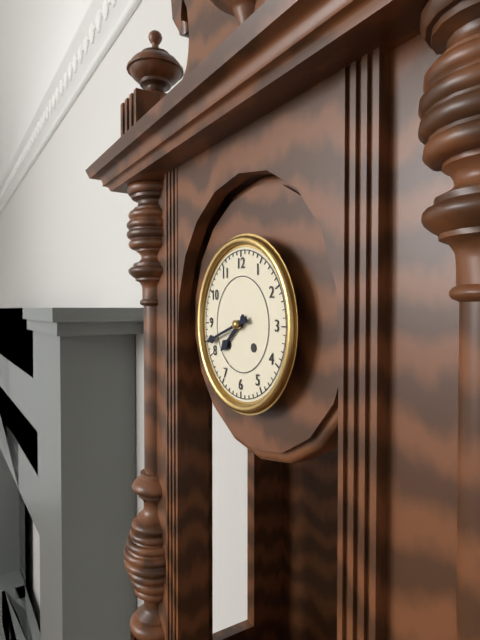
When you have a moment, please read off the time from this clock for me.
7:42
